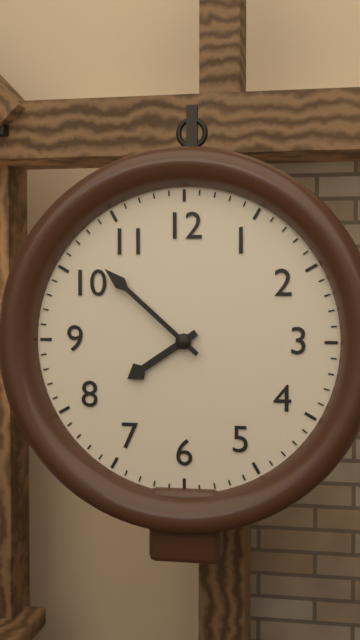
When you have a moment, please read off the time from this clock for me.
7:52
